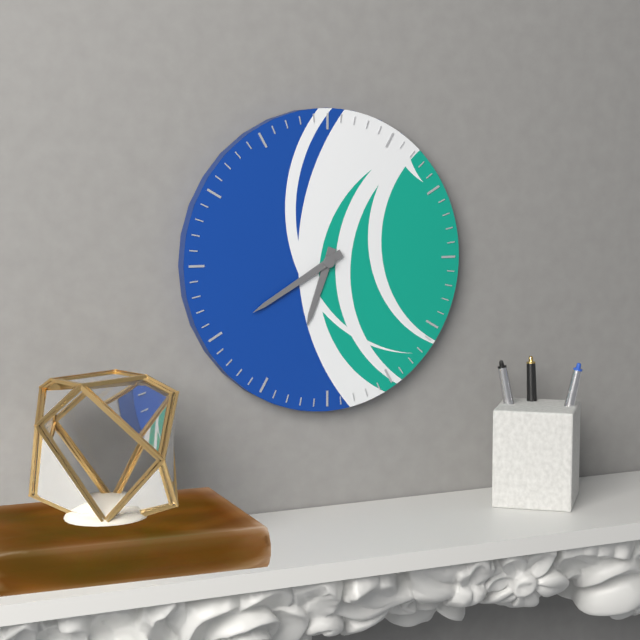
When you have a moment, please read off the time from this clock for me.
6:40
